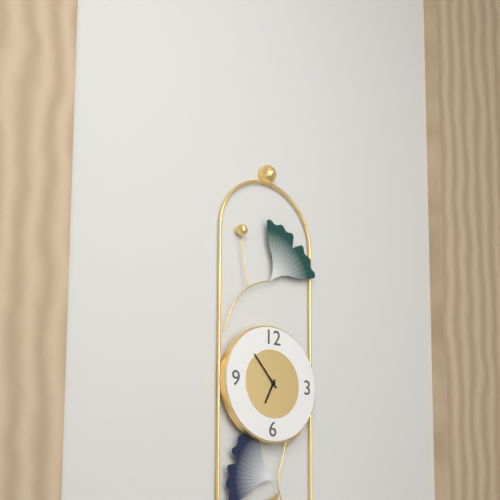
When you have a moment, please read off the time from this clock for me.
6:53
